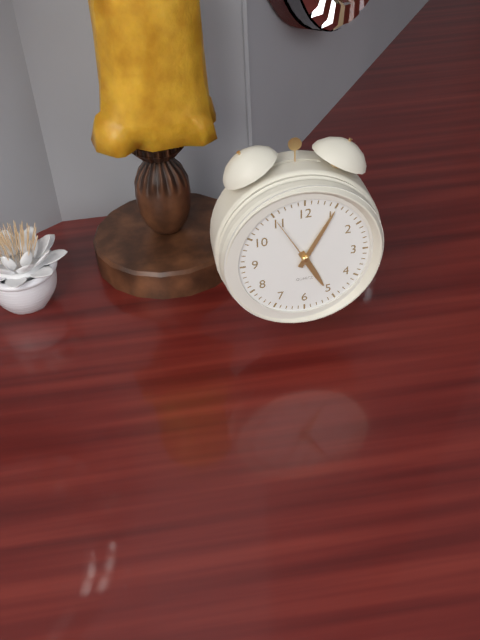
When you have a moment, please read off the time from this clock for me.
5:05:55
